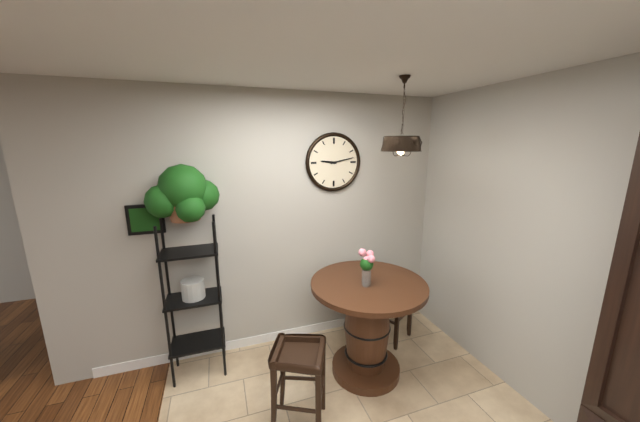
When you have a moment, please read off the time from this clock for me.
9:13
